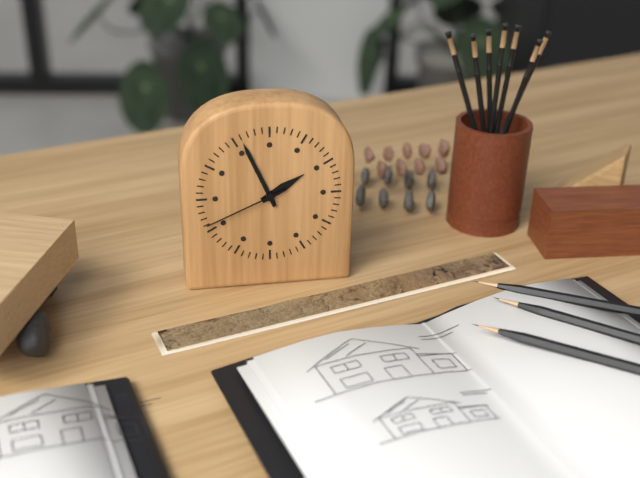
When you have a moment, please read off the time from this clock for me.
1:56:41
